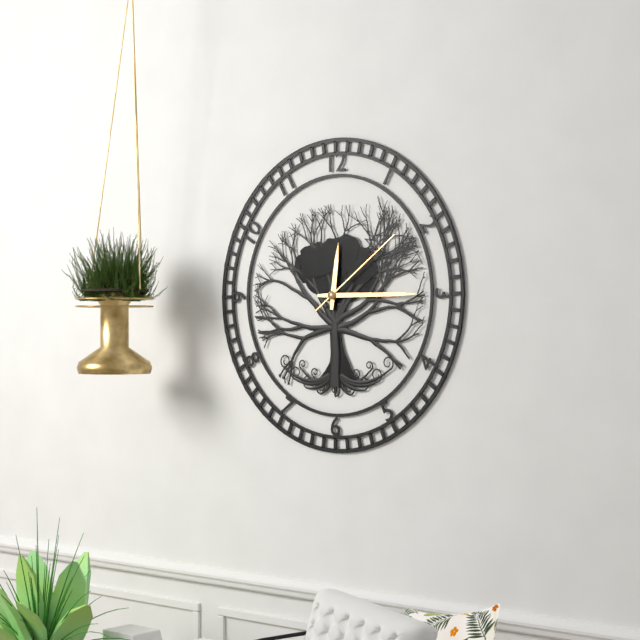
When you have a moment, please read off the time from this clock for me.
12:15:09
